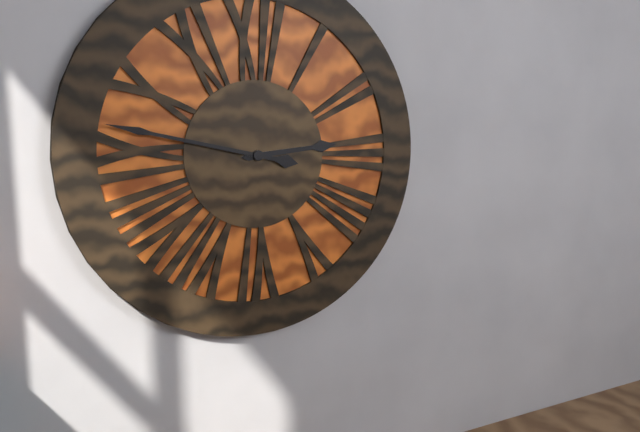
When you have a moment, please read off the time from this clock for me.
2:47
